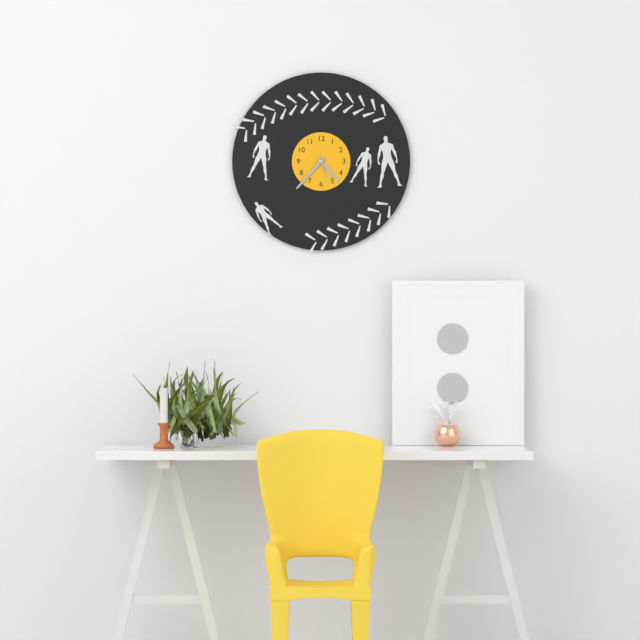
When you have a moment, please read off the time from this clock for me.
4:37
